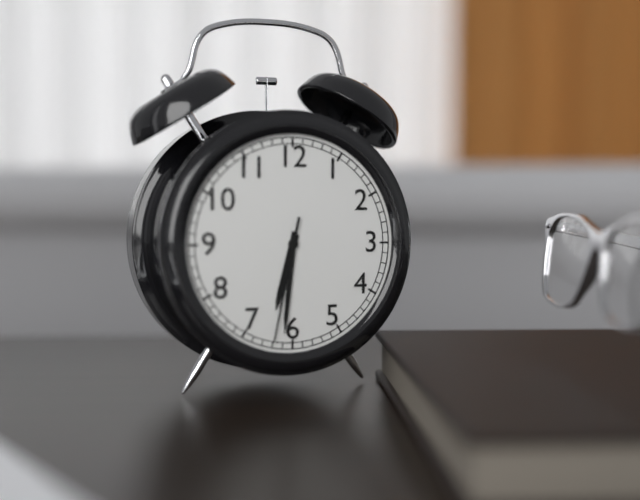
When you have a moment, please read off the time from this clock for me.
6:31:32
